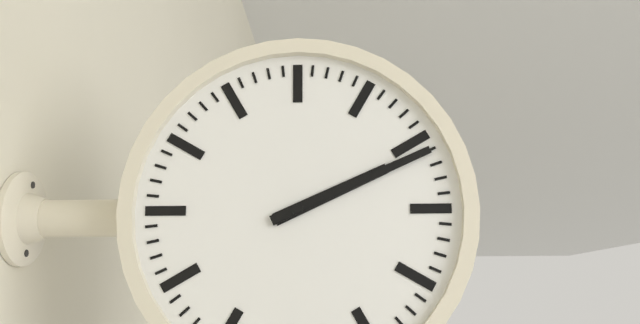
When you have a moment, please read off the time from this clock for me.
2:11
